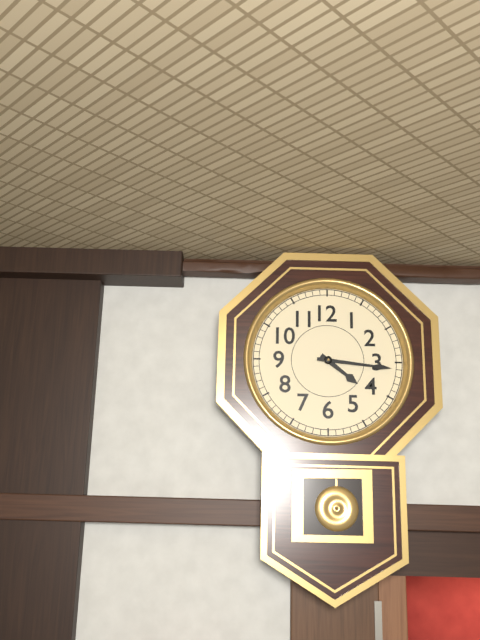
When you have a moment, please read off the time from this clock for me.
4:16
